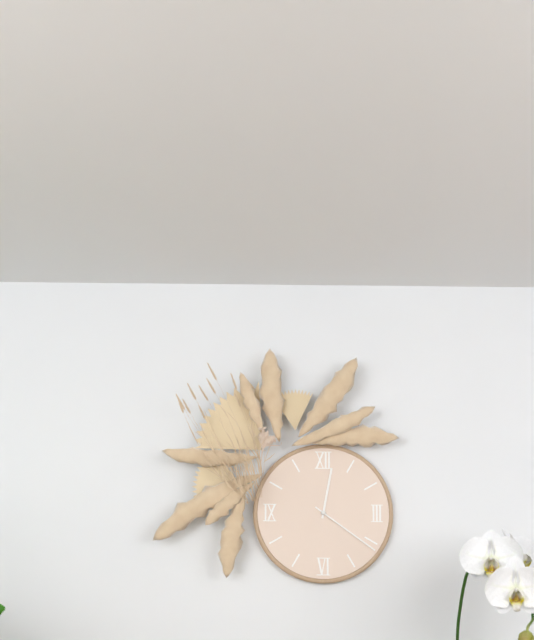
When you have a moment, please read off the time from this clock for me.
12:21
